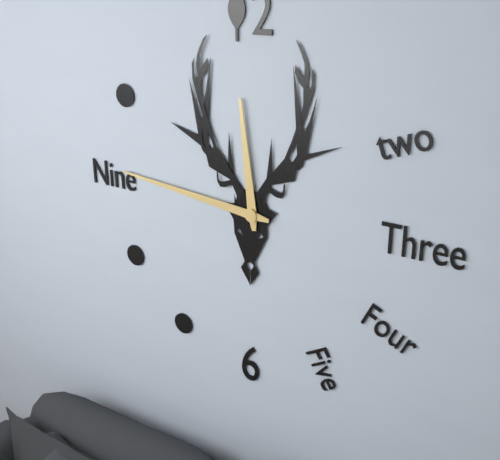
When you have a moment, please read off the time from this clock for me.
11:46
